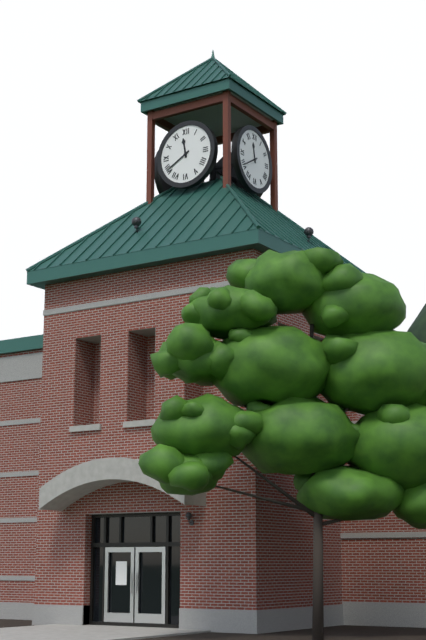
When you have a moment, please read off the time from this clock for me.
11:40
